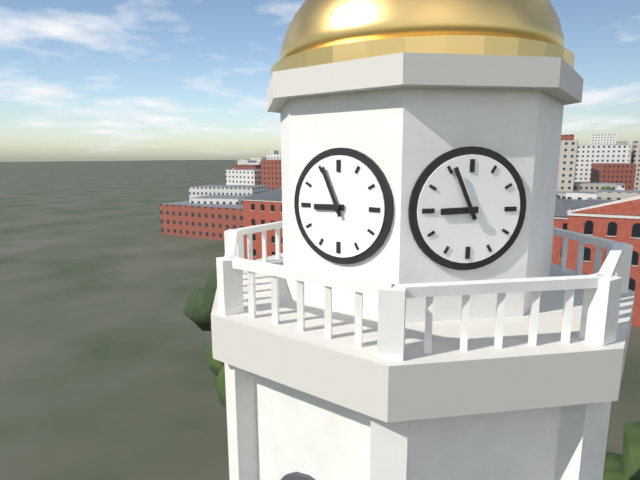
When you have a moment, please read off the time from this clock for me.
8:56
